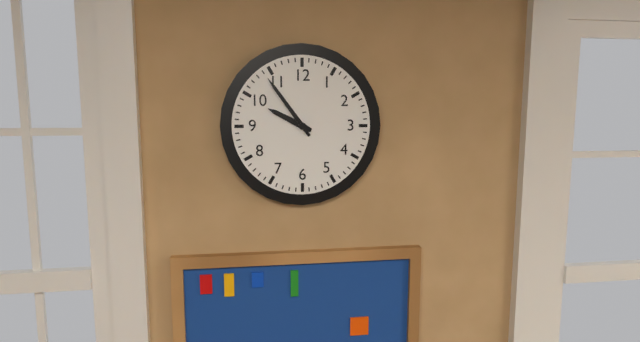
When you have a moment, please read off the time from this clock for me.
9:54
